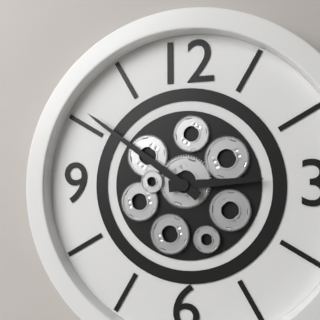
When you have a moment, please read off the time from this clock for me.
2:51
